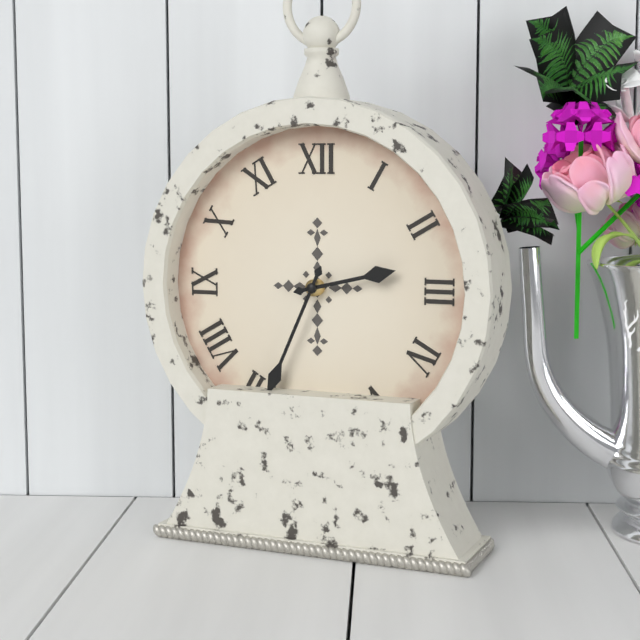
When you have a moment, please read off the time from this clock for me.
2:34
